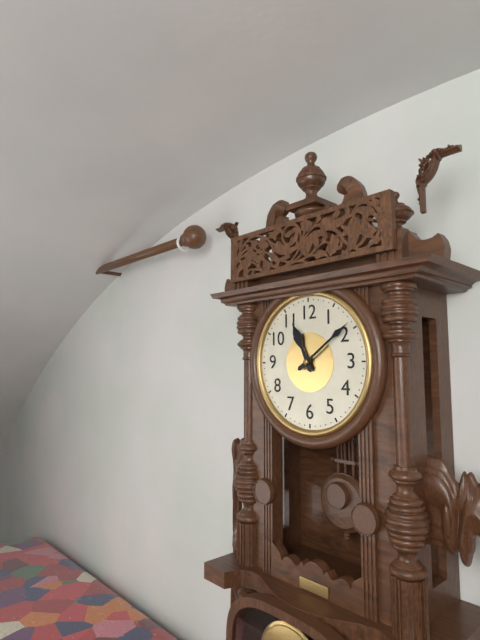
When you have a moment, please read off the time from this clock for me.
11:09
